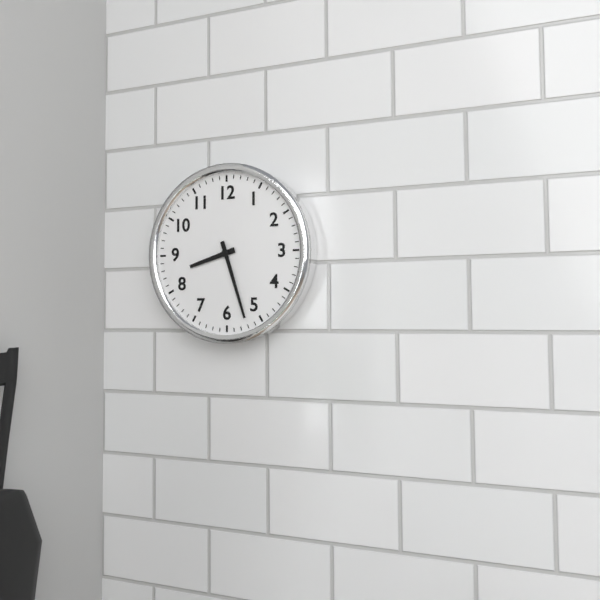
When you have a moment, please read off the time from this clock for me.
8:27
